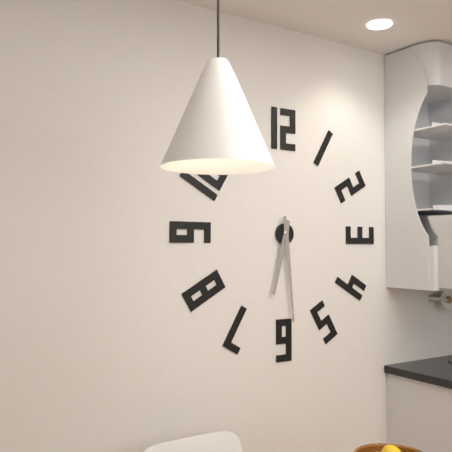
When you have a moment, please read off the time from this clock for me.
6:29
